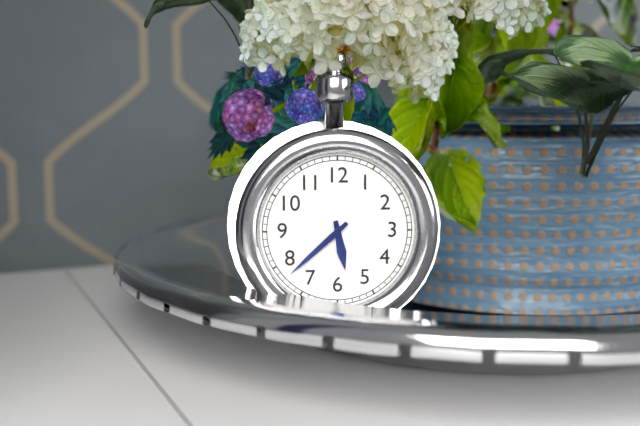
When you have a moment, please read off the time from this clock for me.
5:38
